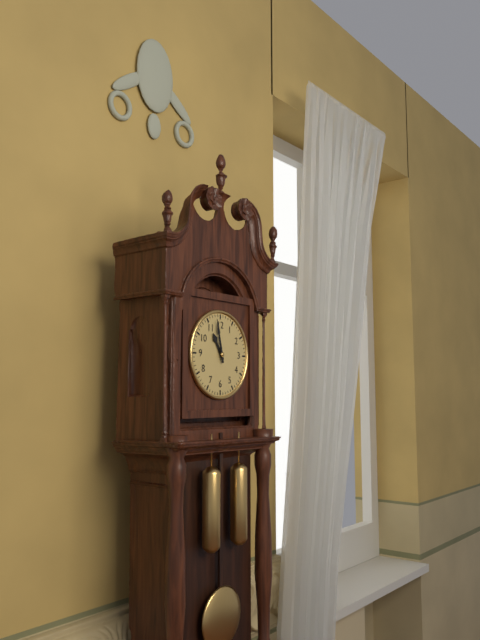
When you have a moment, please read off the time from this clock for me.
10:58
